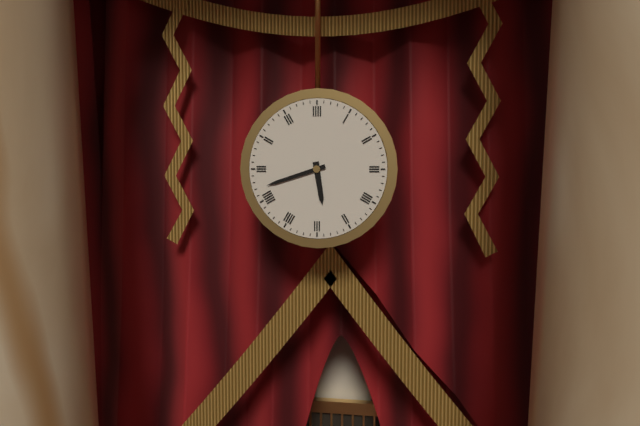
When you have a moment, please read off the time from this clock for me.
5:42
